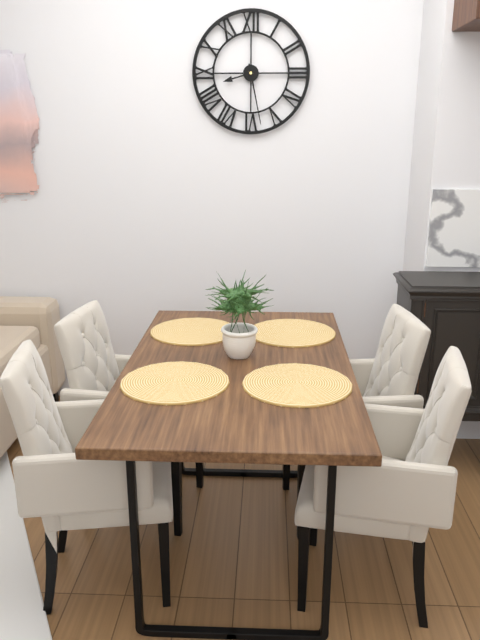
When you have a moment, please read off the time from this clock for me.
8:28
